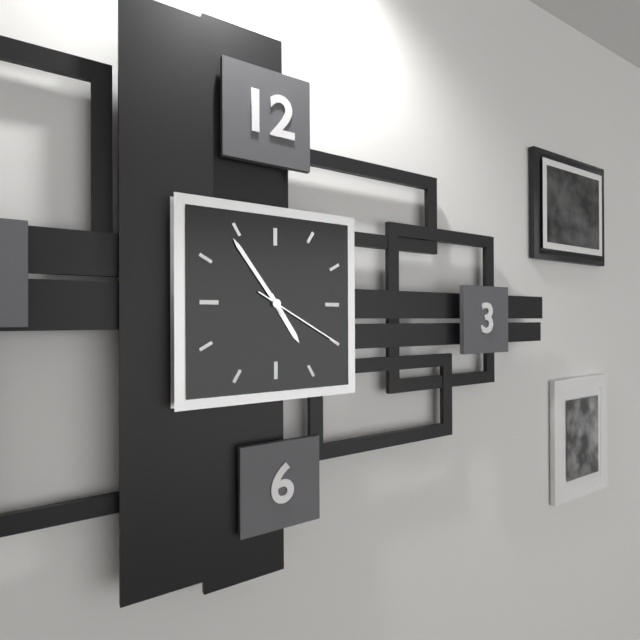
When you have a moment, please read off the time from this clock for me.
4:54:20
